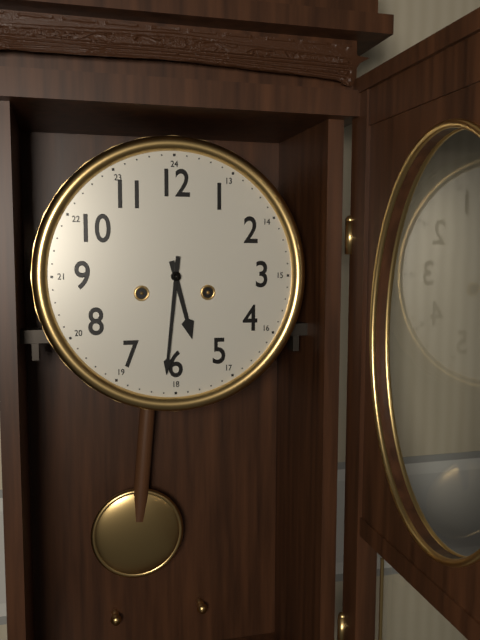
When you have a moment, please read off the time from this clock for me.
5:31
